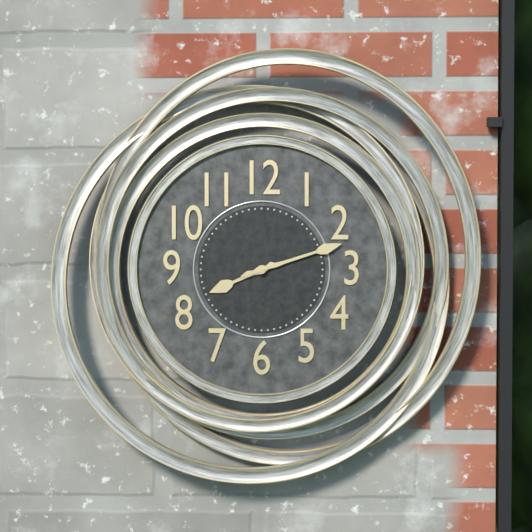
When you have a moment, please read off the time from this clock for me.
8:12
